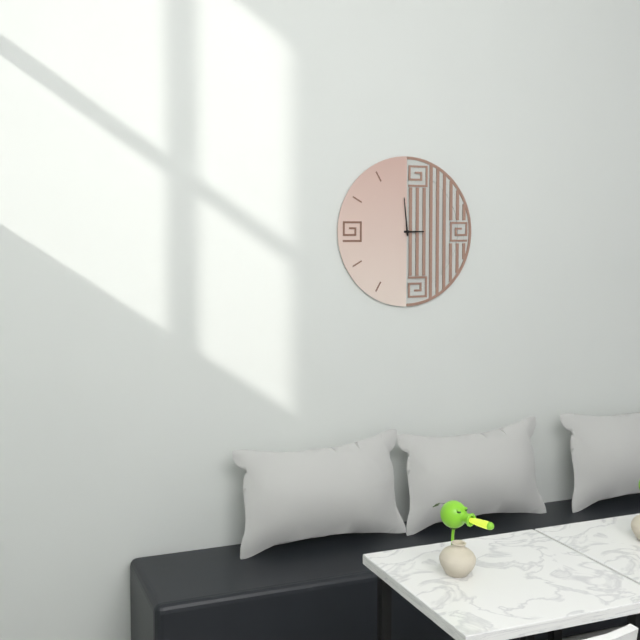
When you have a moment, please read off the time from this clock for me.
2:59
